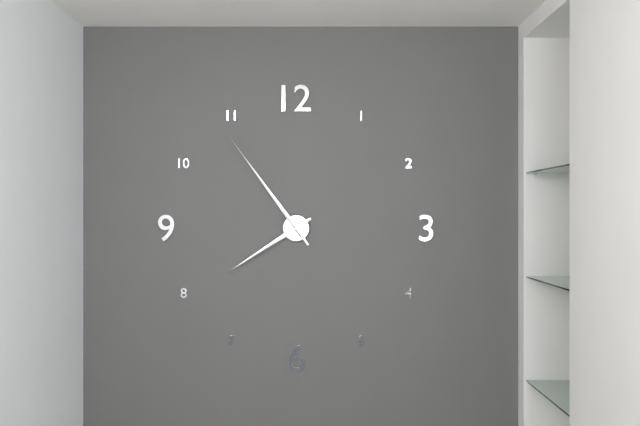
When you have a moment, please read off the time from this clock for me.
7:54
